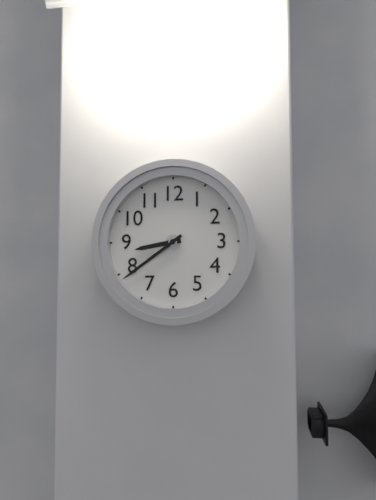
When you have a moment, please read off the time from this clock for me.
8:39
